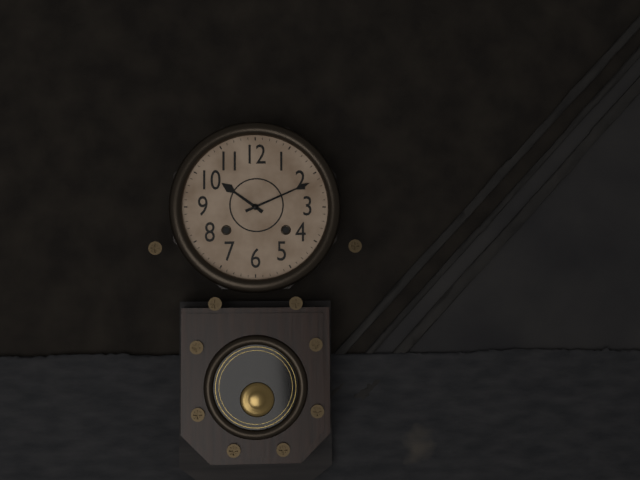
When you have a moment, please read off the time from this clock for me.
10:11
